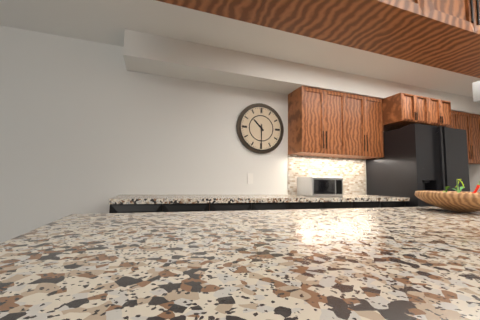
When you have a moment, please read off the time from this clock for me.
10:30
